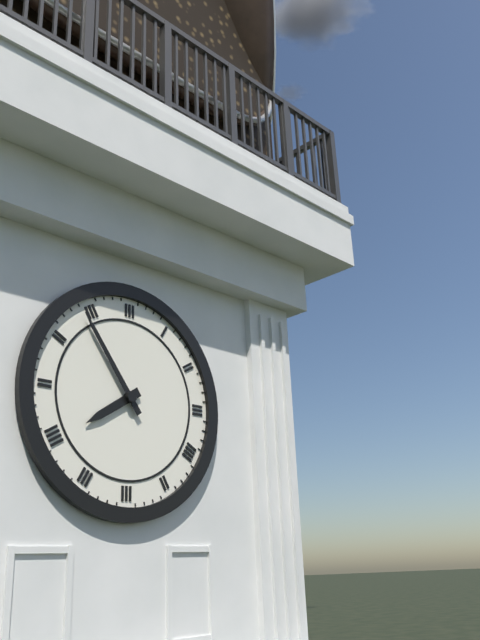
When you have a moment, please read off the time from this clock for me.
7:54
